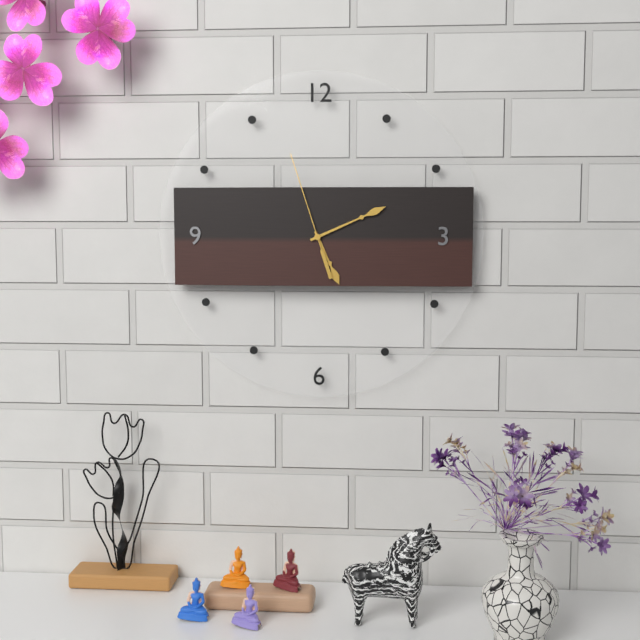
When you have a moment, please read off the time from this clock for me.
5:11:57
